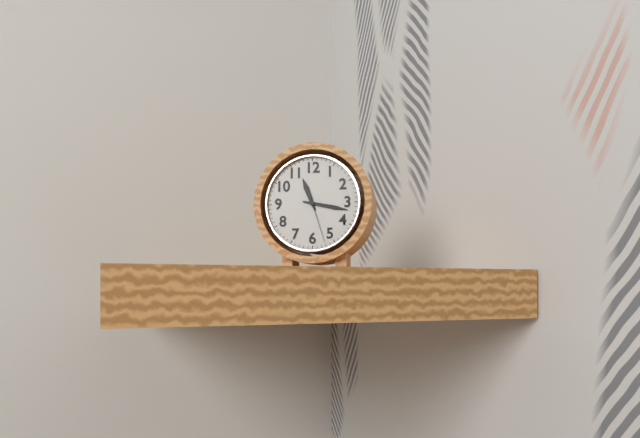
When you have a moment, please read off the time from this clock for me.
11:17:27
